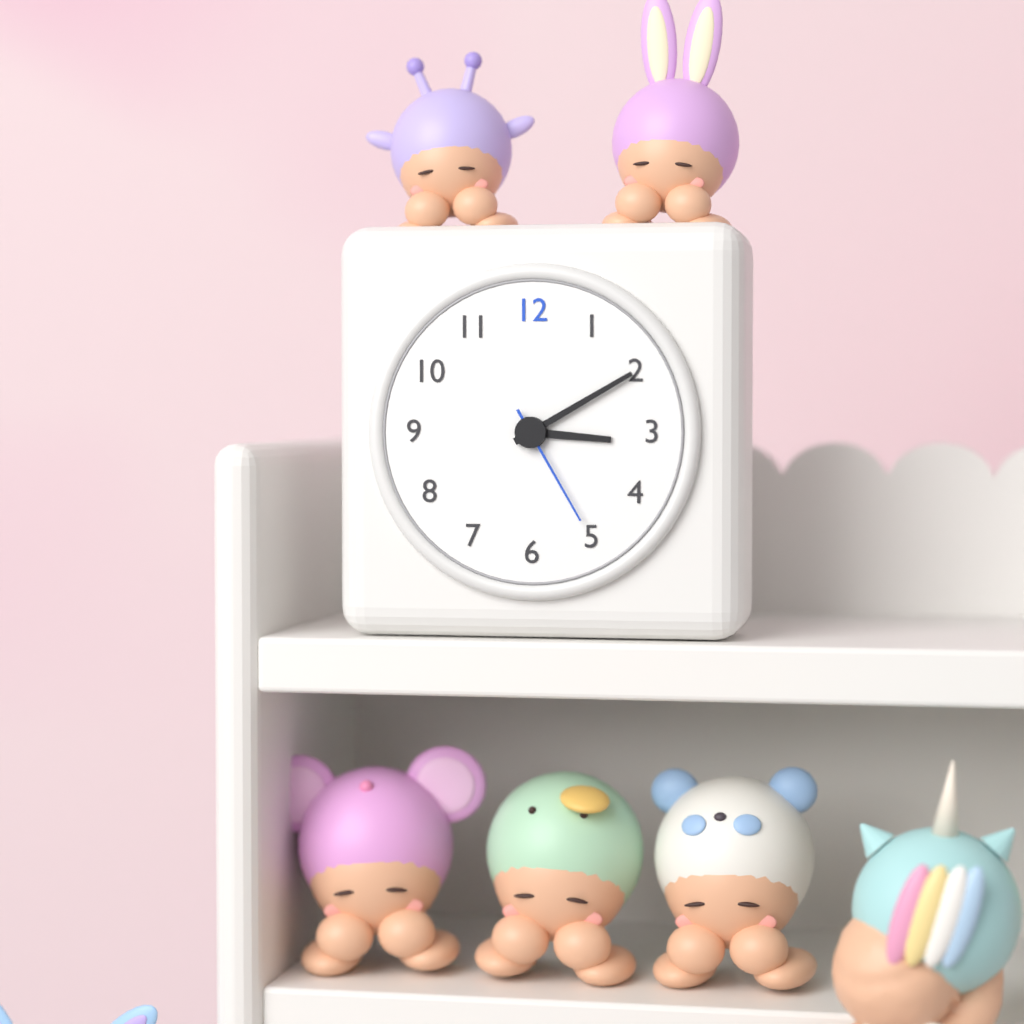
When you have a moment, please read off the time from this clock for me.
3:10:25
